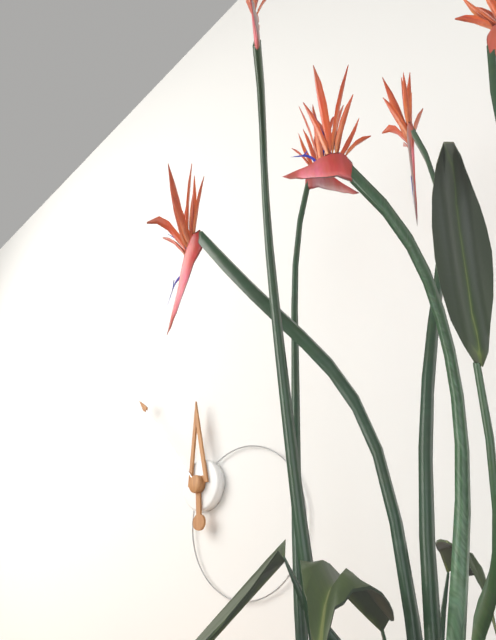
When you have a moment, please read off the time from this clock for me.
11:53
